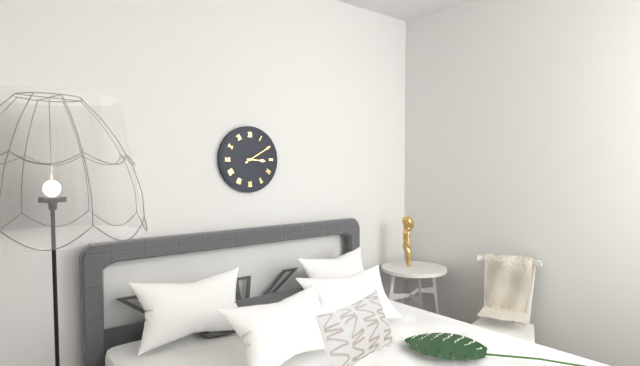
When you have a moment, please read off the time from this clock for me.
3:10
